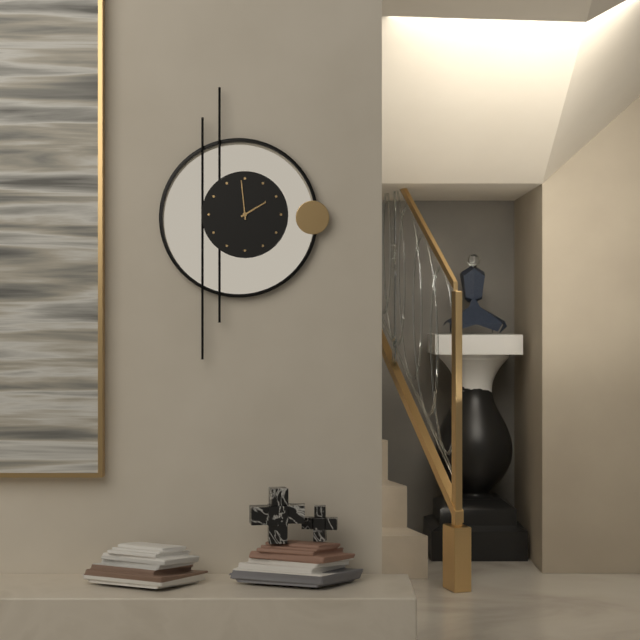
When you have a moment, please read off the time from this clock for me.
1:59
